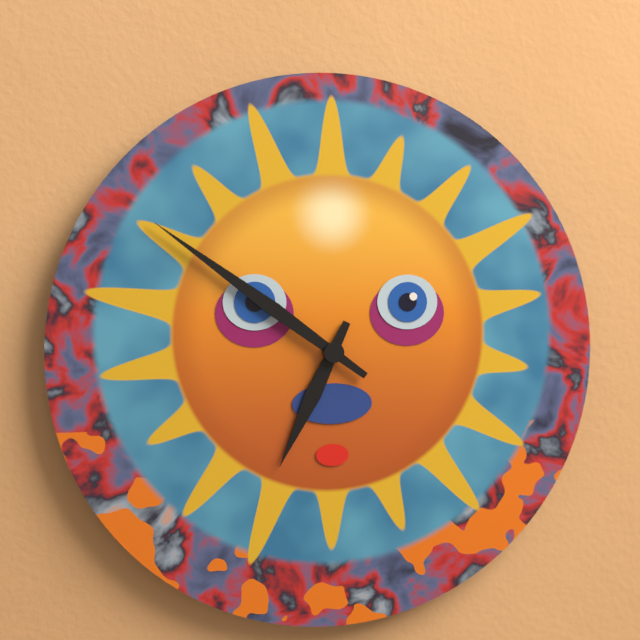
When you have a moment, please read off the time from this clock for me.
6:51
